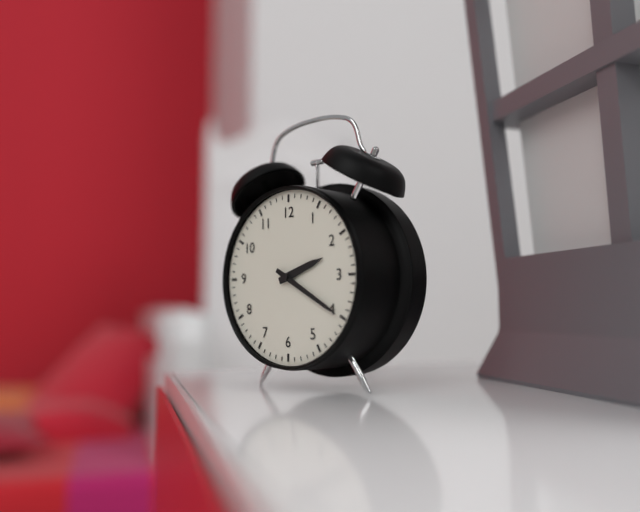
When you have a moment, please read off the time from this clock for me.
2:20
